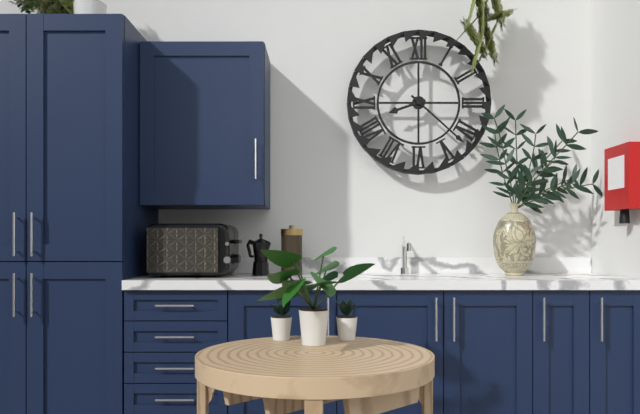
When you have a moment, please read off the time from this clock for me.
8:22
